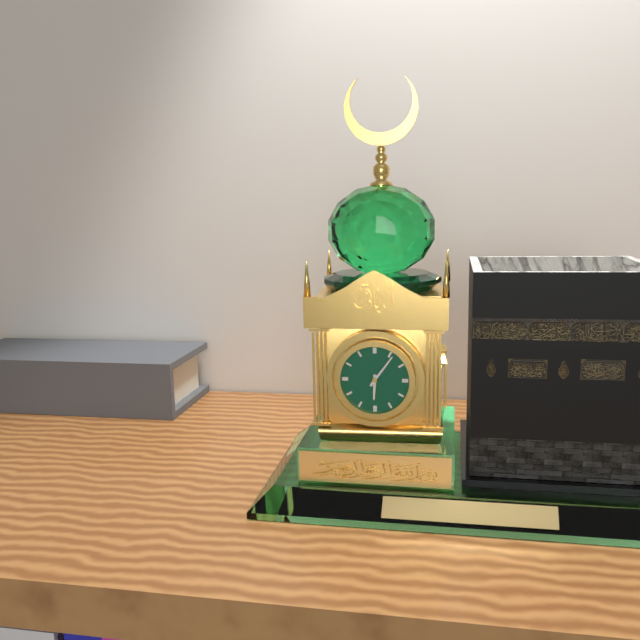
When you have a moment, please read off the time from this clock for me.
6:06
